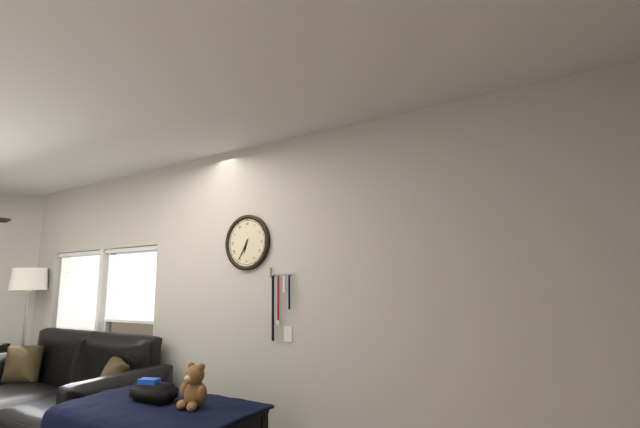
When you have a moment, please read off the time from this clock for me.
6:35
